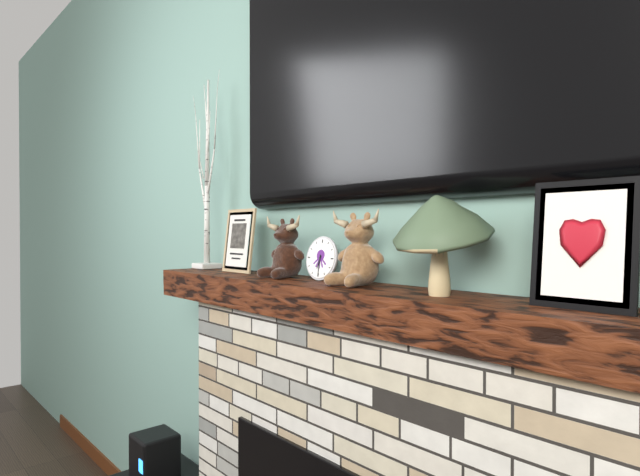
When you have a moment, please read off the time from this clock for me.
6:30
